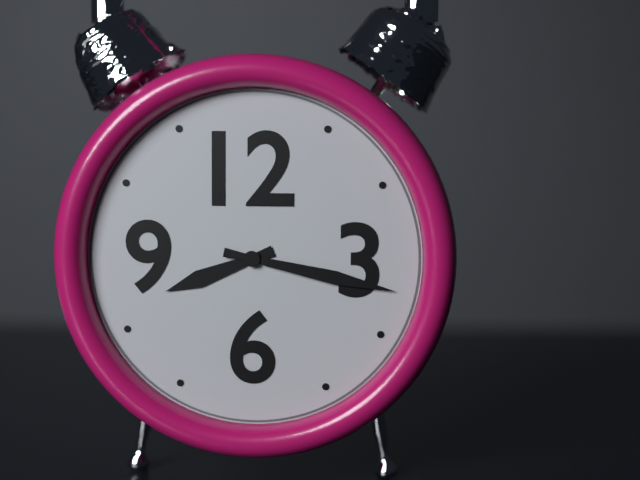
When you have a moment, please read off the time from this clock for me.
8:17
